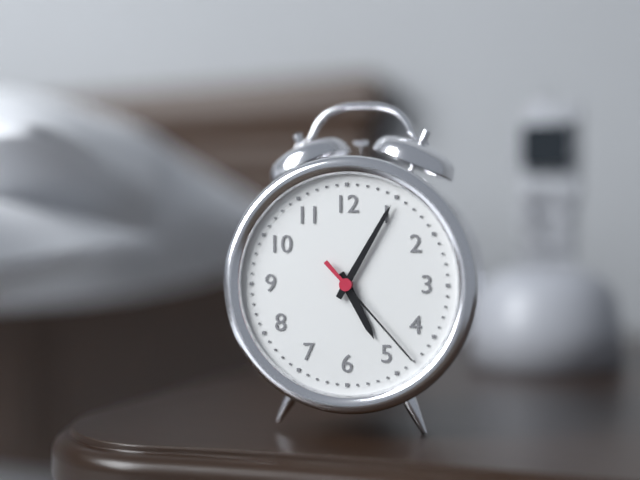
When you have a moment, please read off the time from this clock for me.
5:05:23
